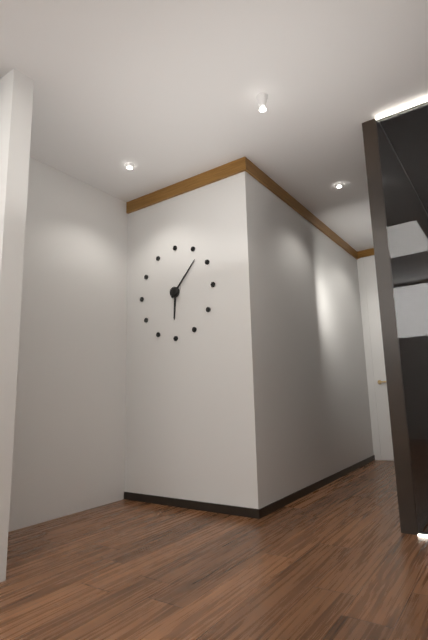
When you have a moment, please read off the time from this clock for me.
6:07
